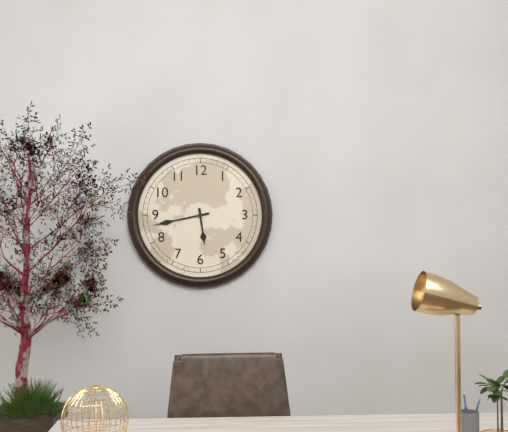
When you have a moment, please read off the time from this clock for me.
5:43
